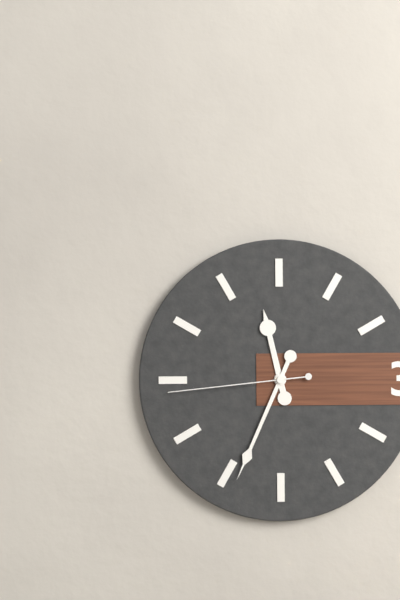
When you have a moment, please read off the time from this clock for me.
11:34:44
